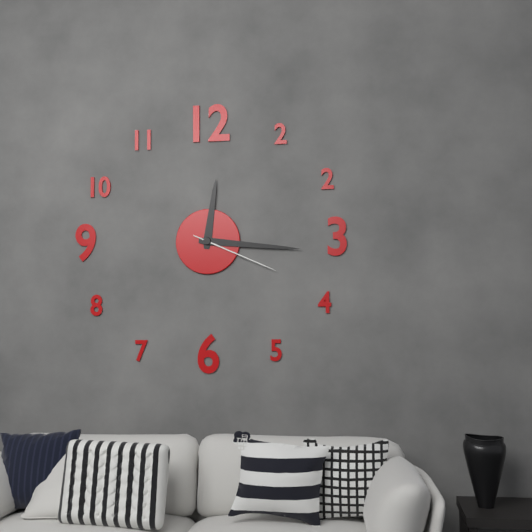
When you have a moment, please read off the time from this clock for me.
12:16:19
